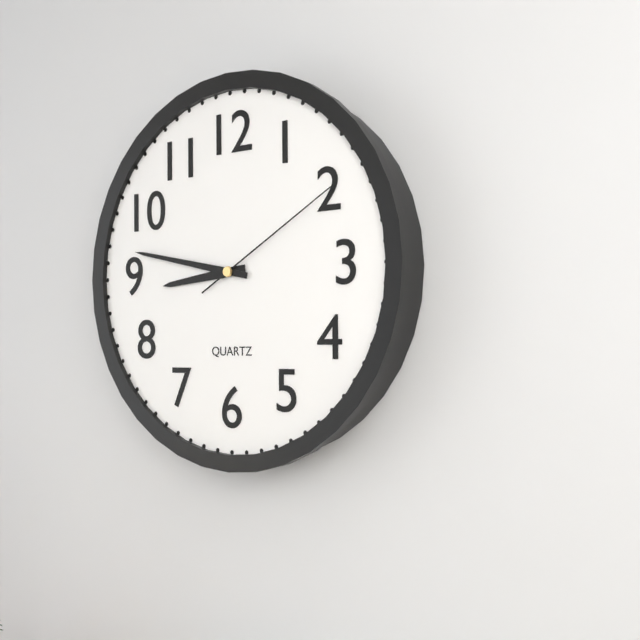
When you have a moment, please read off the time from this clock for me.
8:47:10
